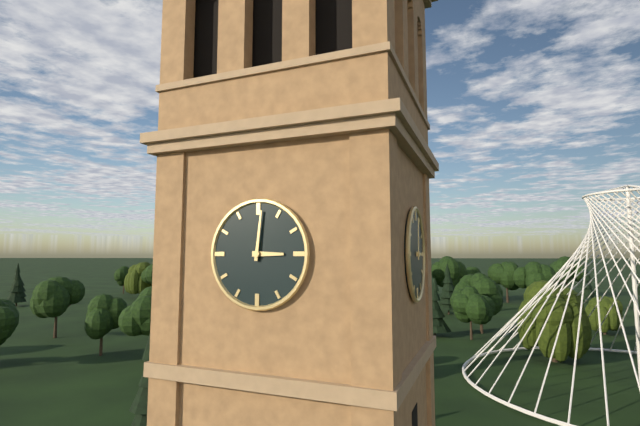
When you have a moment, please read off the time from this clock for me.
3:01
